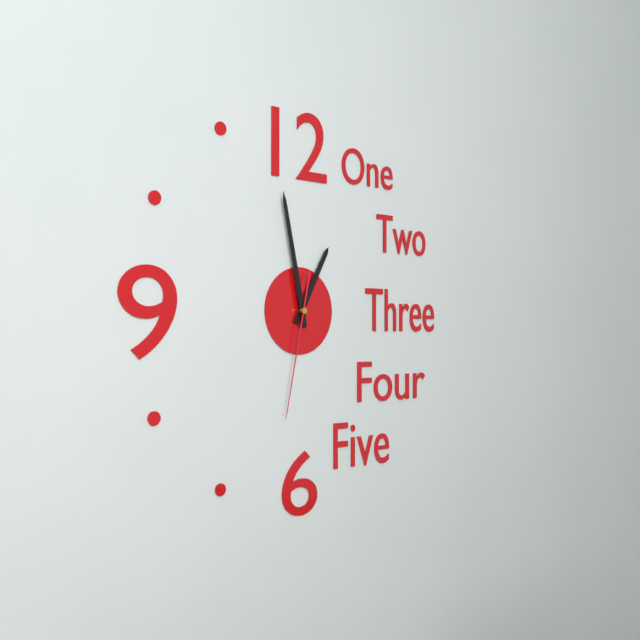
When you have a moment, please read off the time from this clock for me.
12:58:32
